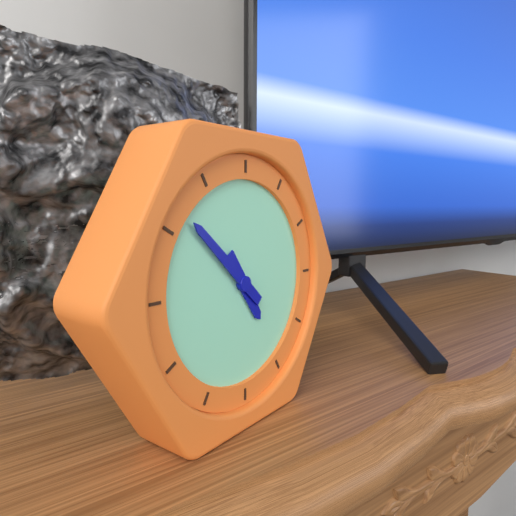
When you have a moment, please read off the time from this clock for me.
4:52
